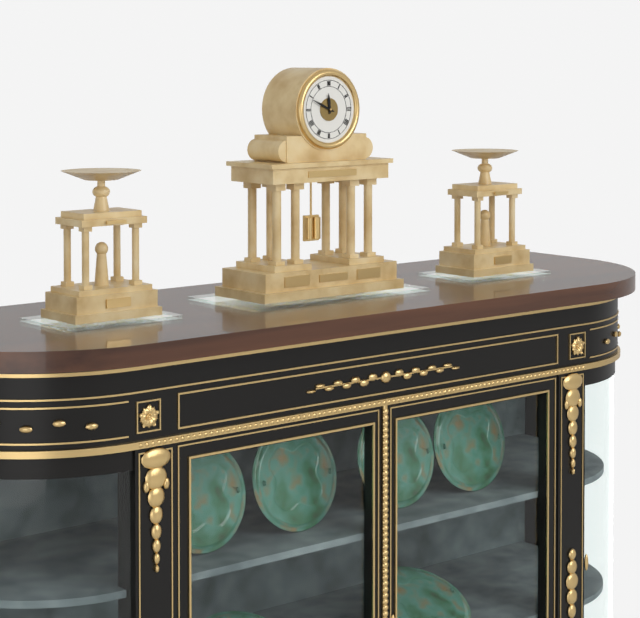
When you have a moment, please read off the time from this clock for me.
11:49
